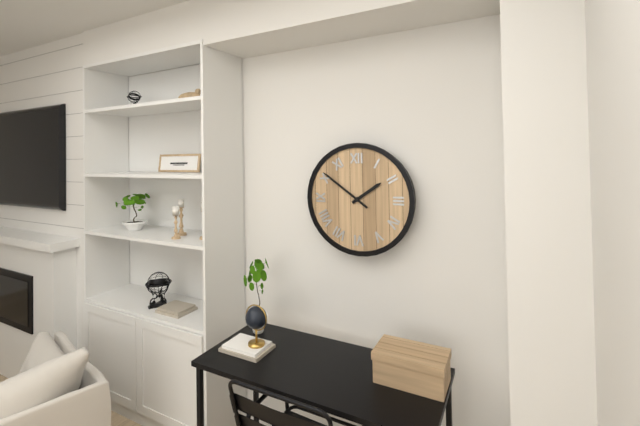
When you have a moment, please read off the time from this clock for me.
1:51
